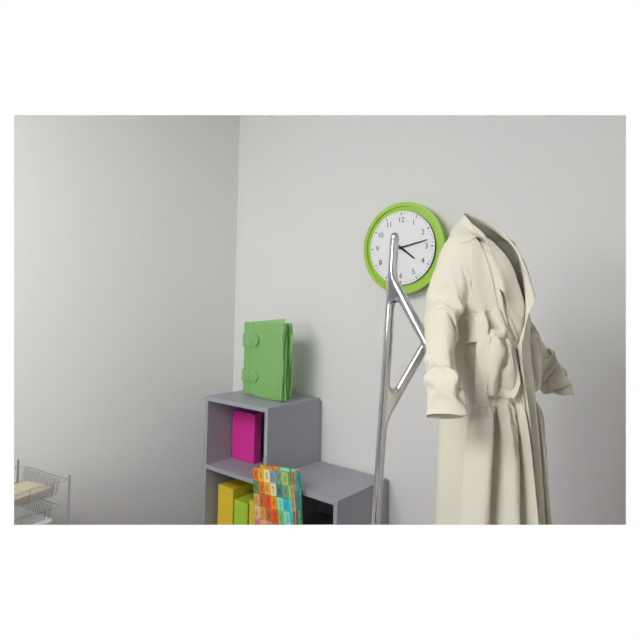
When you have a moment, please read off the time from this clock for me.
4:13
